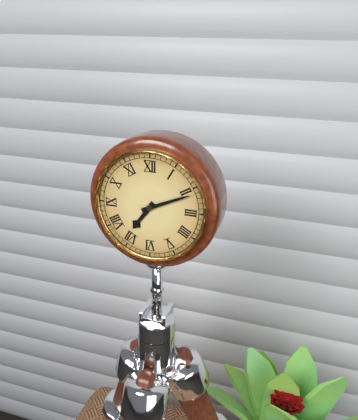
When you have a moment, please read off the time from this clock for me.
7:11
